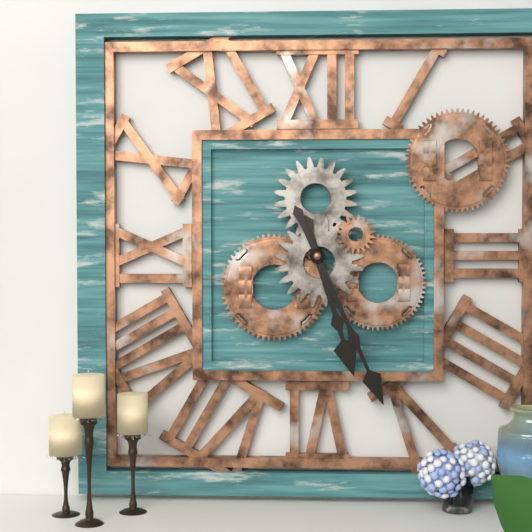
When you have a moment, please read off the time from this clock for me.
5:26
